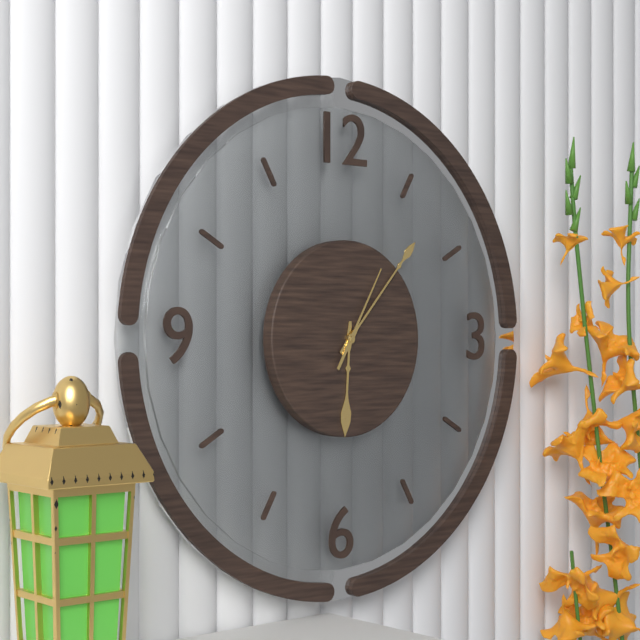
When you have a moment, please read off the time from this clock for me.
6:07:05
